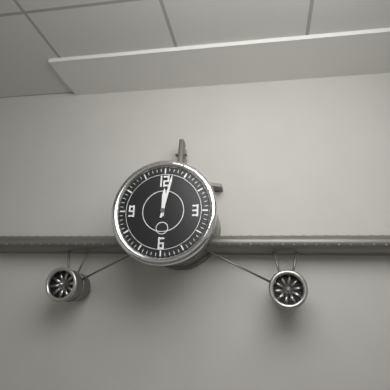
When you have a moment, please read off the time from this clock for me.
12:02
